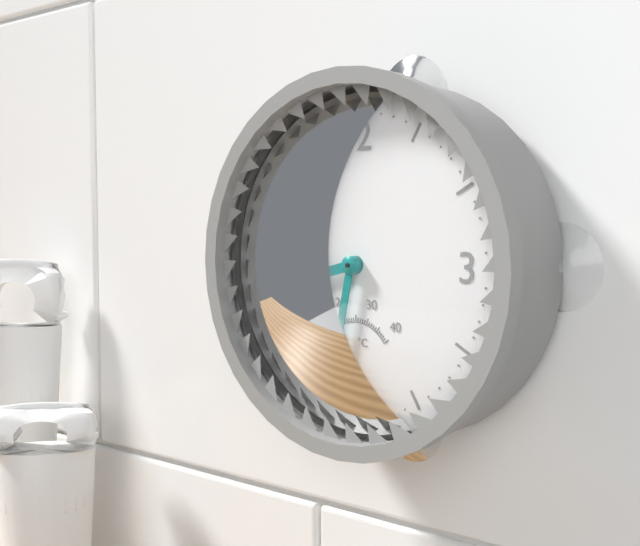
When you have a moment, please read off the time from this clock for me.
8:32
